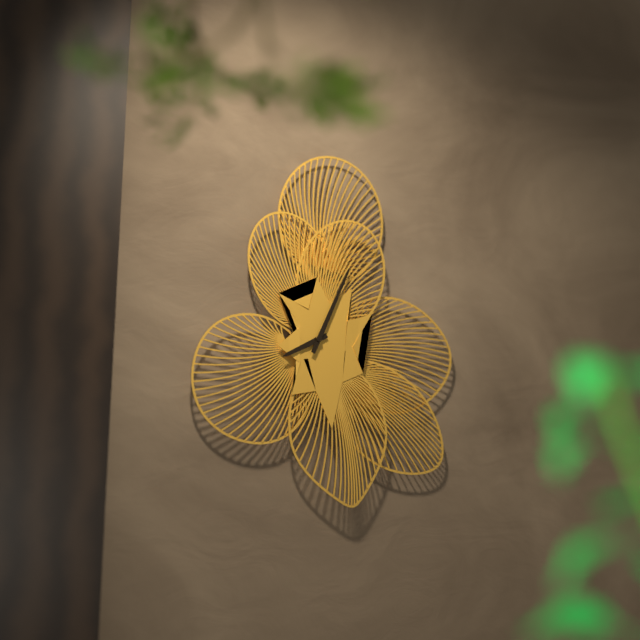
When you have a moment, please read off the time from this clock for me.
8:04
